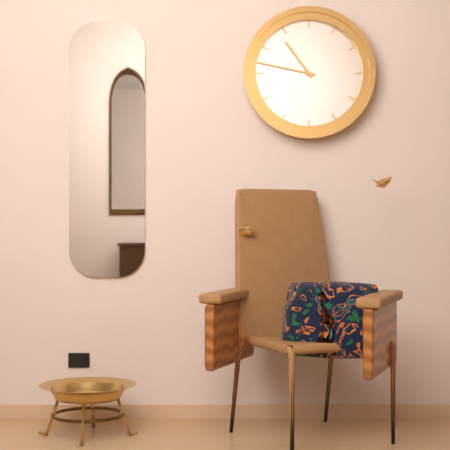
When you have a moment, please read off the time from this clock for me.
10:47
